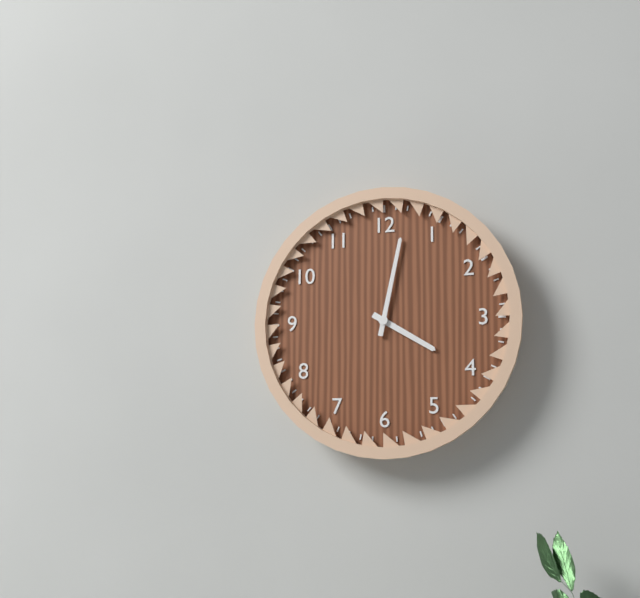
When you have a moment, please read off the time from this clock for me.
4:02
